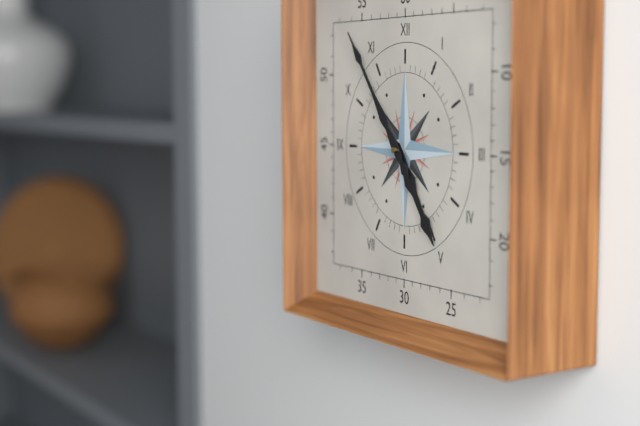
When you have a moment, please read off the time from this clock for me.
4:54
